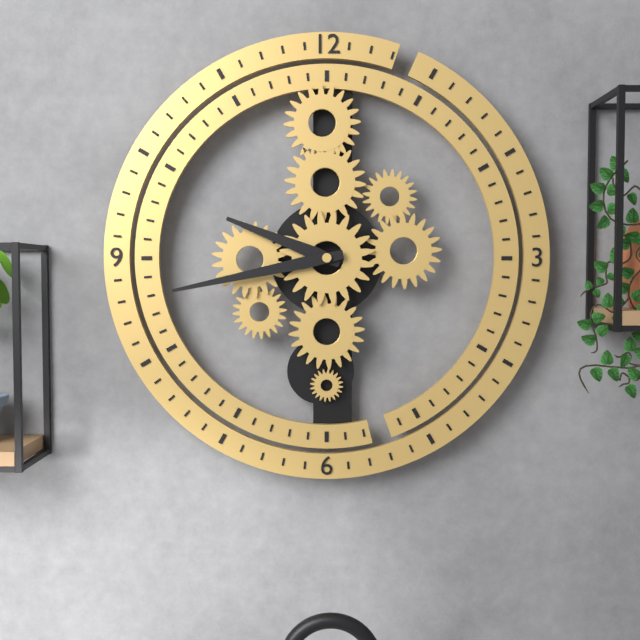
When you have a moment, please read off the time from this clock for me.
9:43
